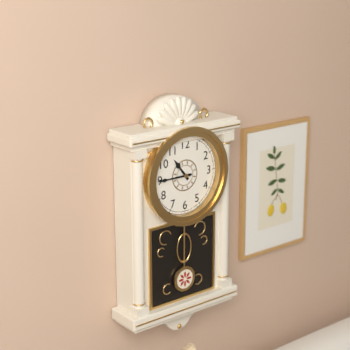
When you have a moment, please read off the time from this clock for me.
10:45
